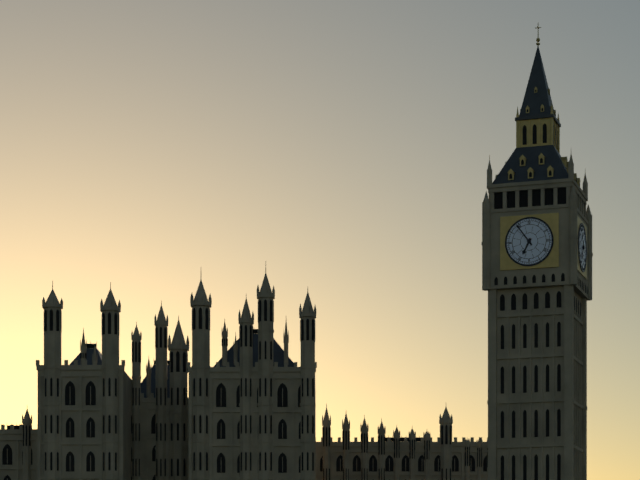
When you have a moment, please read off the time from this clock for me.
6:54
